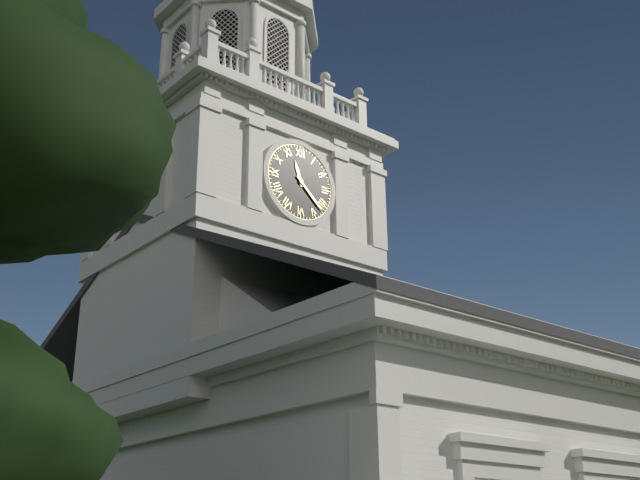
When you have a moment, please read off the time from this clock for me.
11:22
